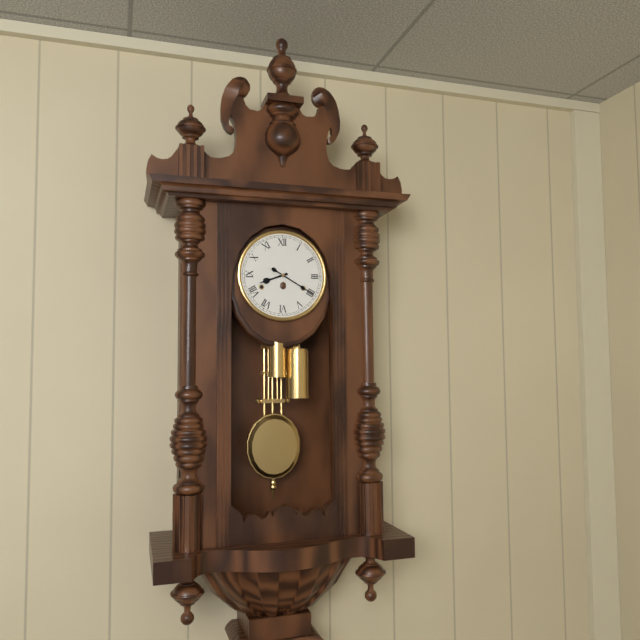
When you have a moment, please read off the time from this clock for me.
8:20
